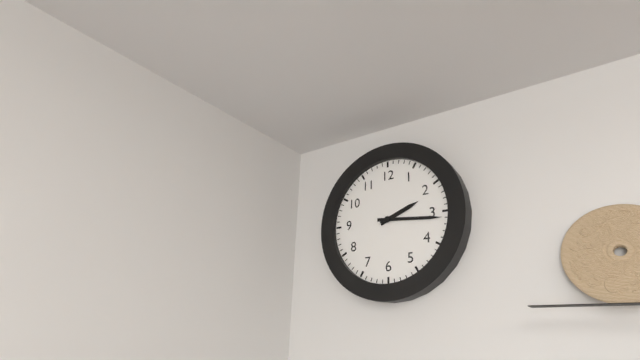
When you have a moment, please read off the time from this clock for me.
2:16
